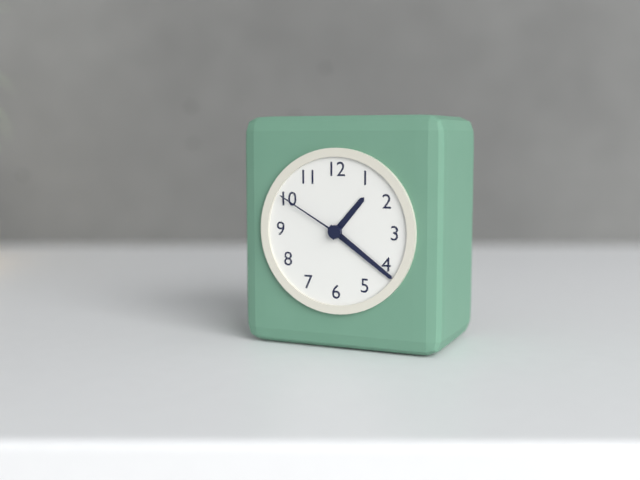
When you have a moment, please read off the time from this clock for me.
1:21:50
